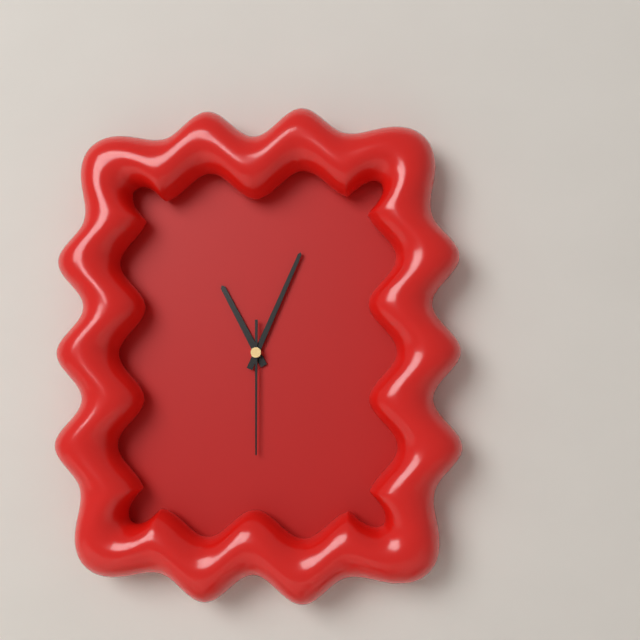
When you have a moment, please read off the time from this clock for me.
11:04:30
